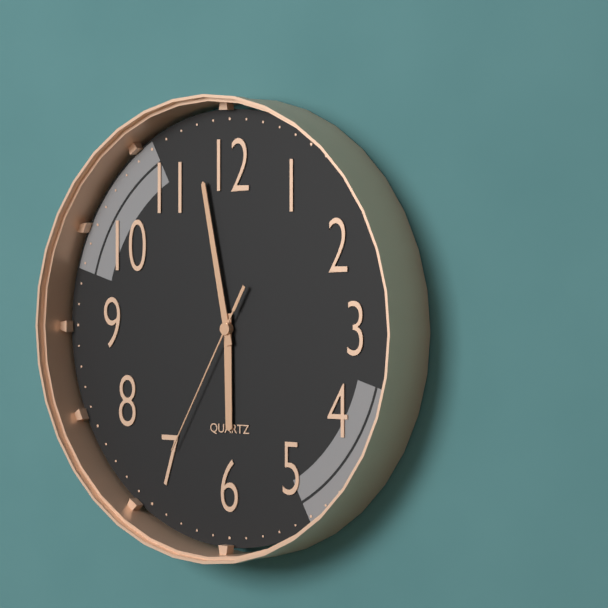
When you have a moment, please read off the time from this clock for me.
5:58:35
